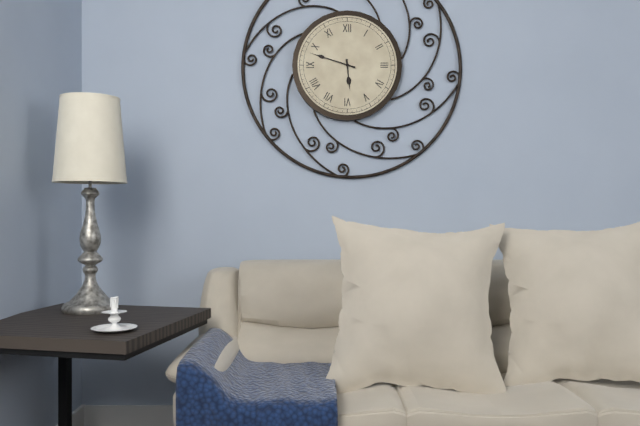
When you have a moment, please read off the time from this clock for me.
5:48
